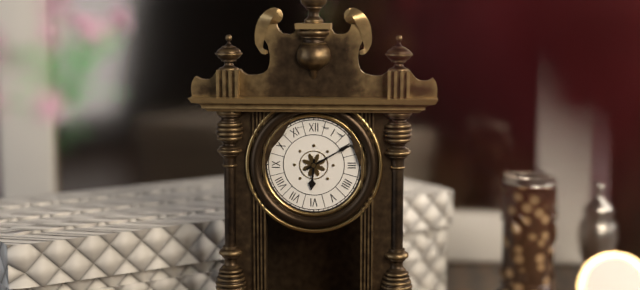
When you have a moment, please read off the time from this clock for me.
6:10
